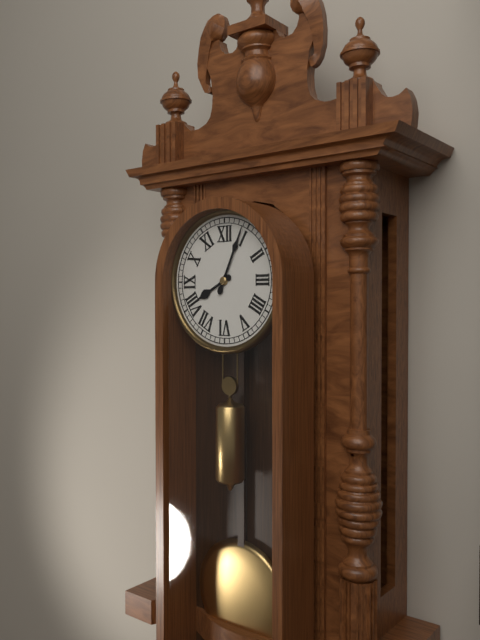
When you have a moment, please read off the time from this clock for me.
8:04
